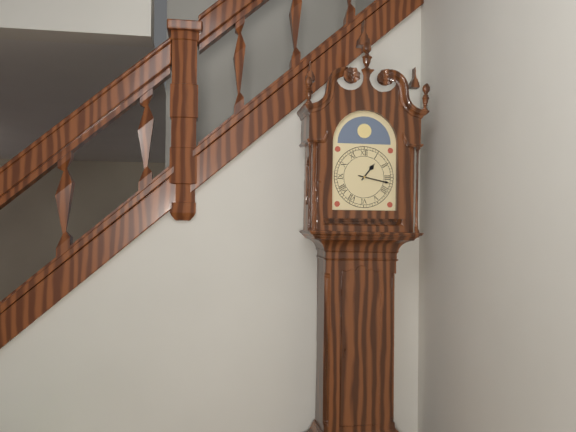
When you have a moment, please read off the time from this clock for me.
1:17
